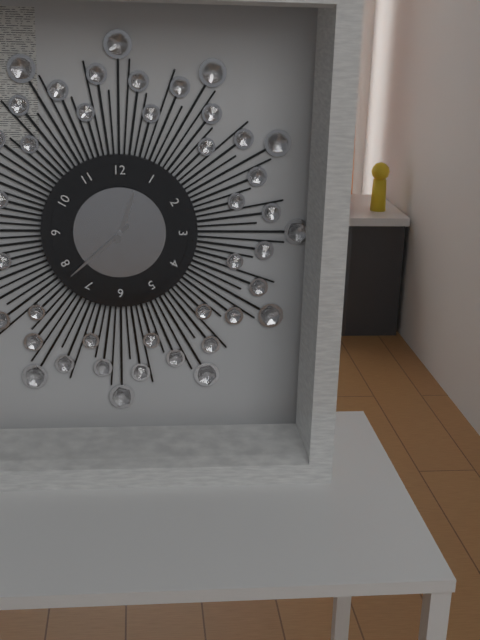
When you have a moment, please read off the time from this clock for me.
12:38
